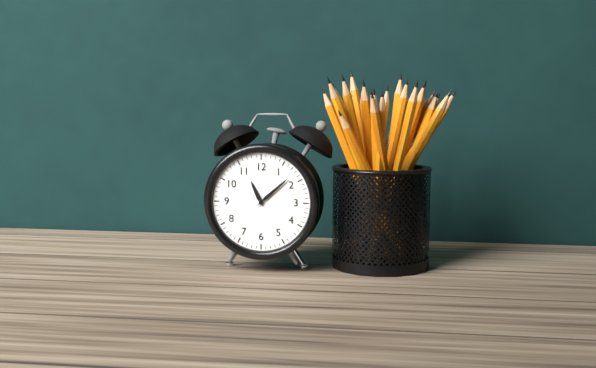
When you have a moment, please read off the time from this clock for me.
11:08
